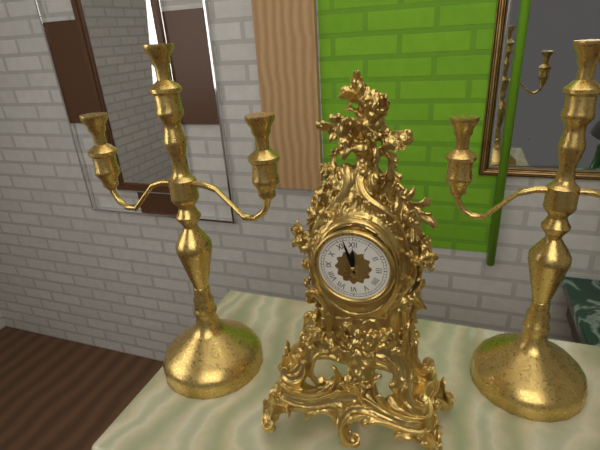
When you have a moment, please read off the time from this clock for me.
11:57
